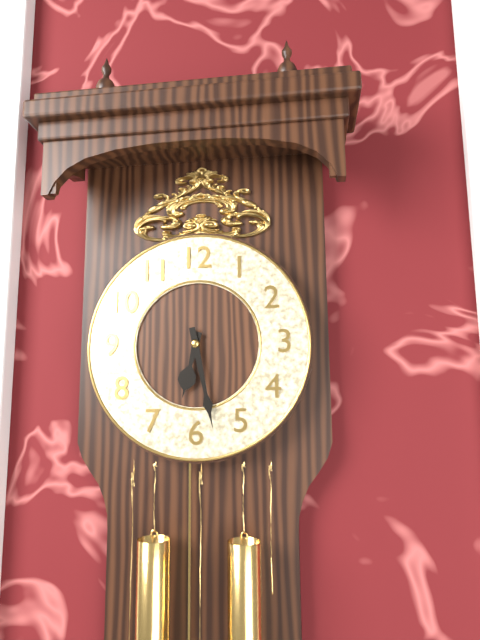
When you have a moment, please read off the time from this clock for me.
6:28
